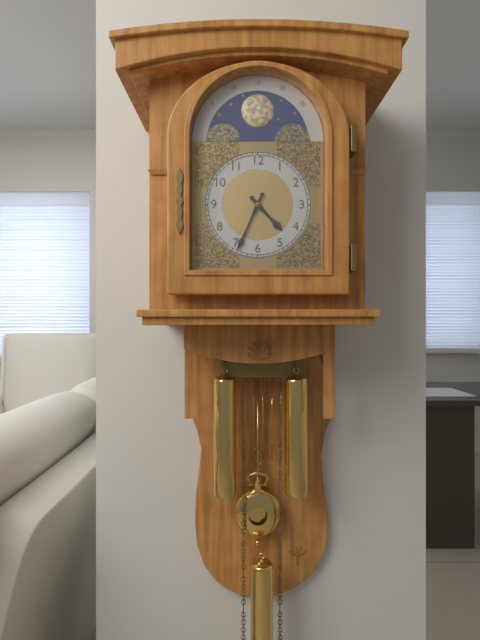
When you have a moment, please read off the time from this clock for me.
4:34
